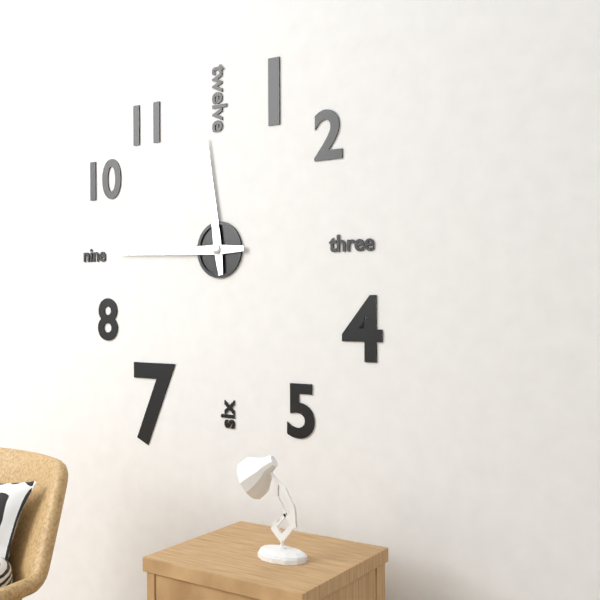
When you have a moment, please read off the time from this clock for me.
11:45
